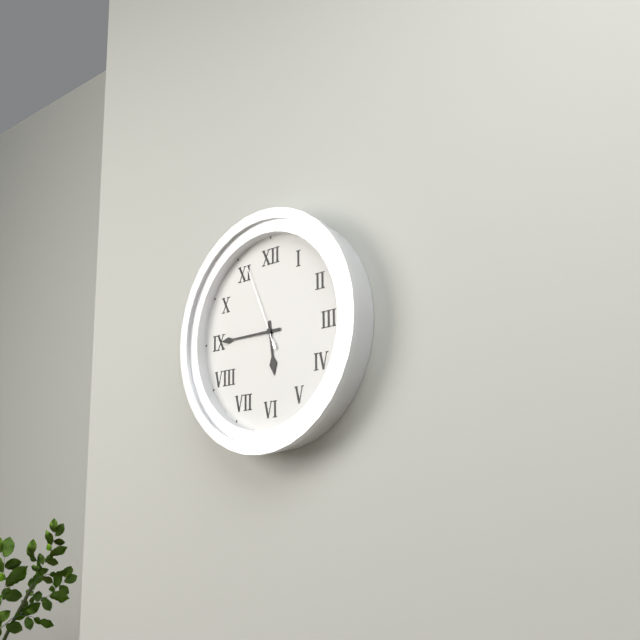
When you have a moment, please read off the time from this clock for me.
5:45:56
